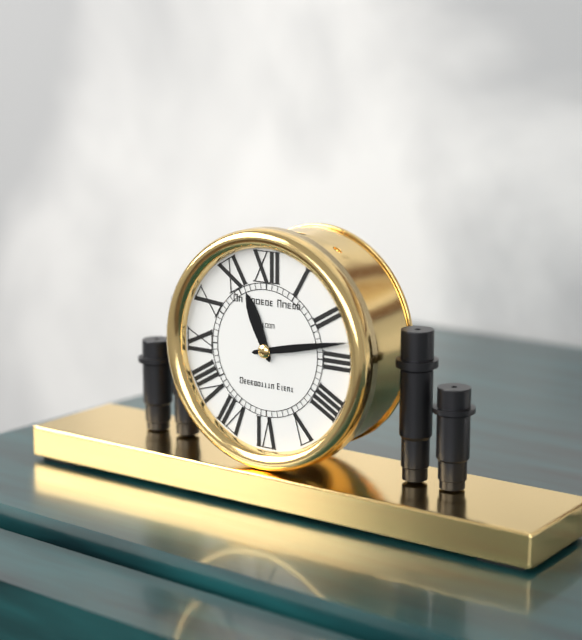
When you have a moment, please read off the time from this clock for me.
11:13
